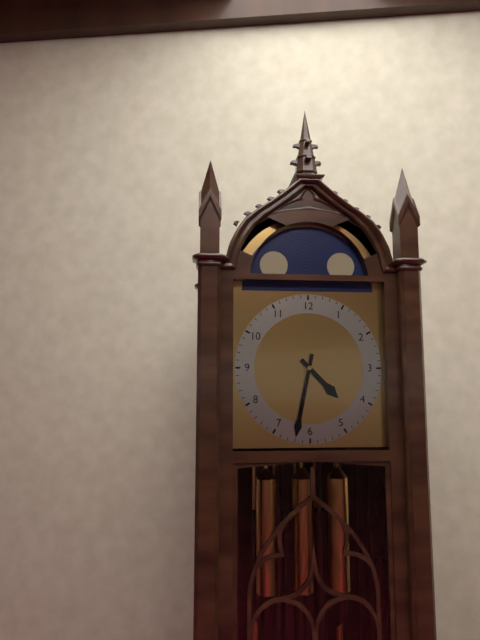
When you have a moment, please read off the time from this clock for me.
4:32
